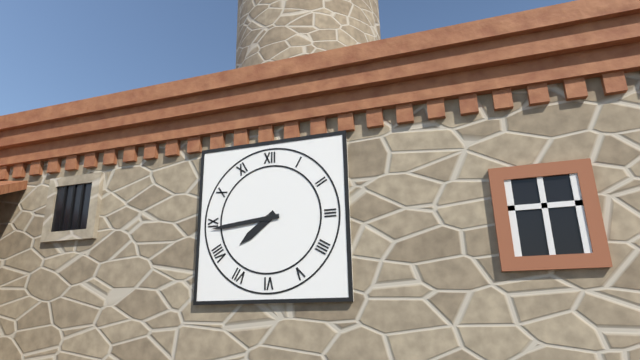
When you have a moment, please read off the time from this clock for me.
7:44
